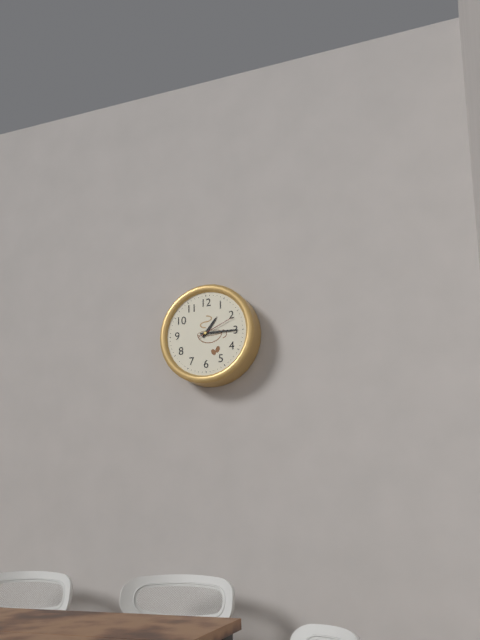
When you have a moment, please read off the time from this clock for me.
1:15
